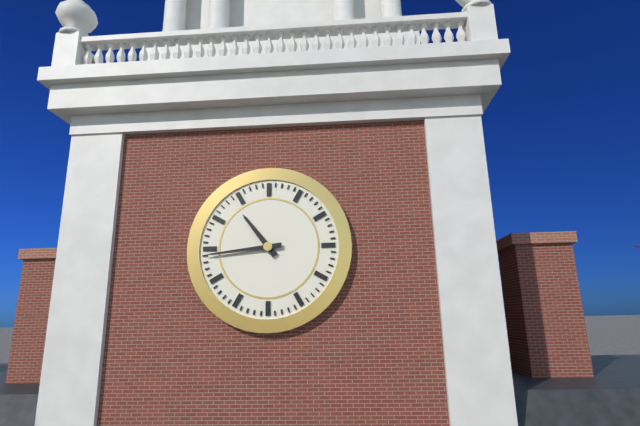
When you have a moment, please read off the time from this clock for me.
10:44
